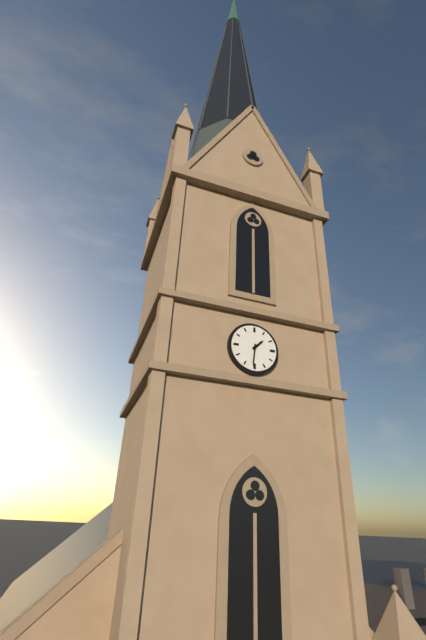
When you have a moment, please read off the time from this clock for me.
1:31
